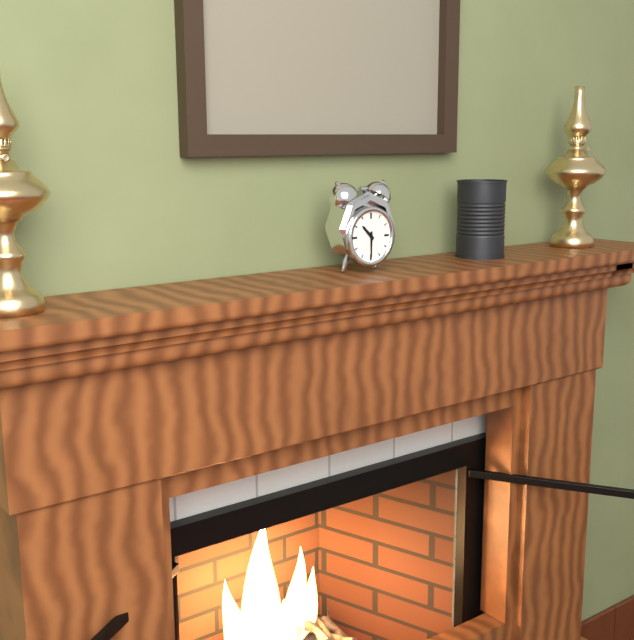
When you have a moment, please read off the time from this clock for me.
10:30
